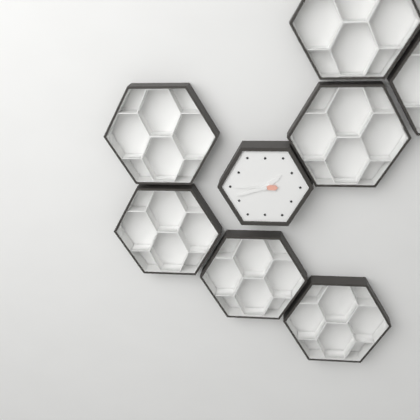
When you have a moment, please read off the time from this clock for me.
1:42
